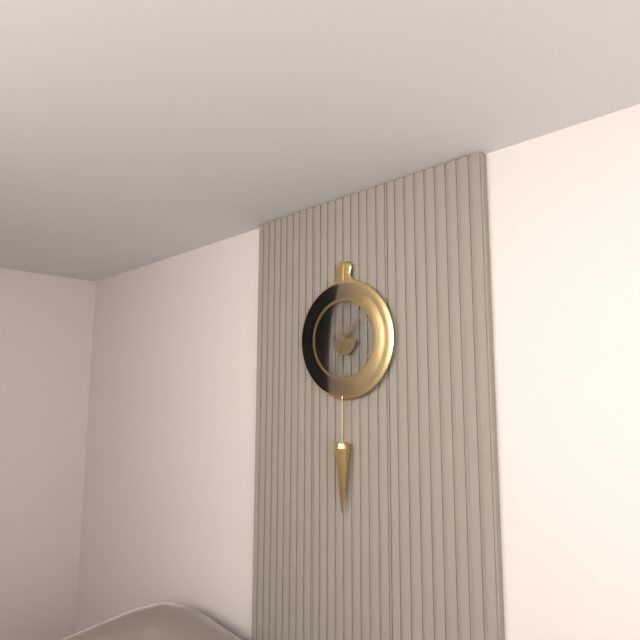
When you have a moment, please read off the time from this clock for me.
1:33
